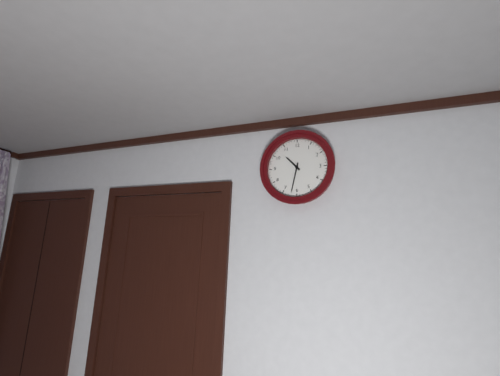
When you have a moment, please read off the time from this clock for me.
10:32
